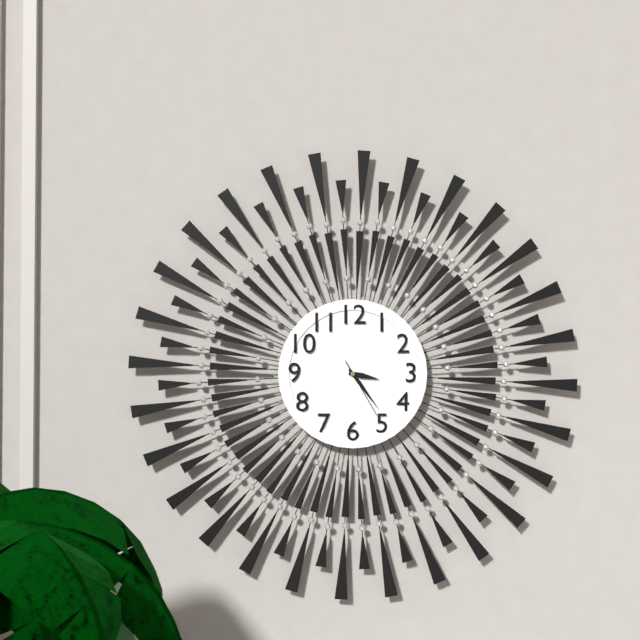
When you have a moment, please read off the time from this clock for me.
3:24:25
